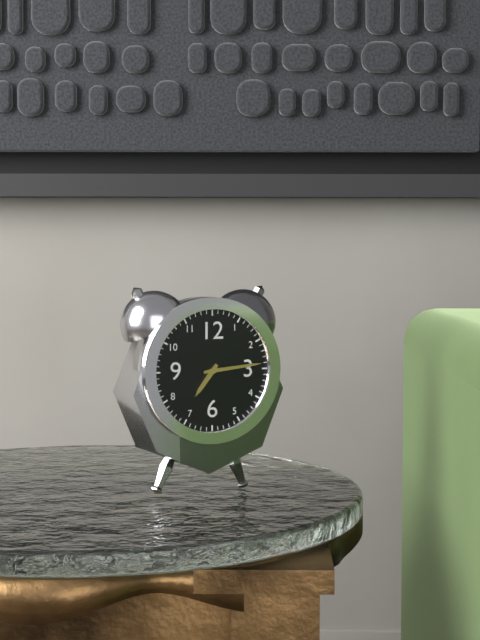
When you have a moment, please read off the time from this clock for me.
7:14
